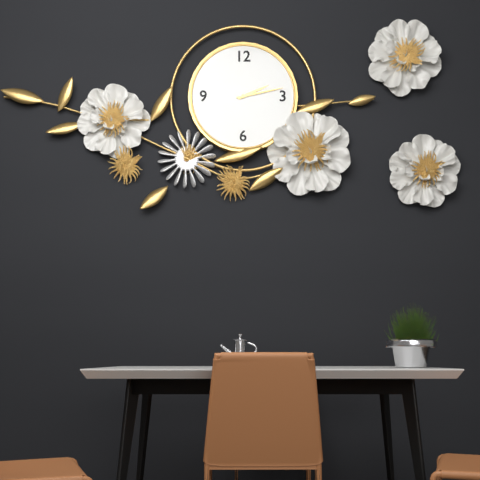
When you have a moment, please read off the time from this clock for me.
2:13
